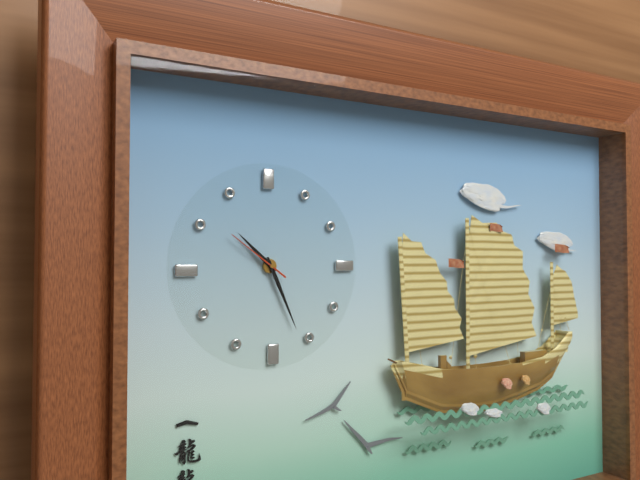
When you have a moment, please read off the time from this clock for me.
10:26:51
